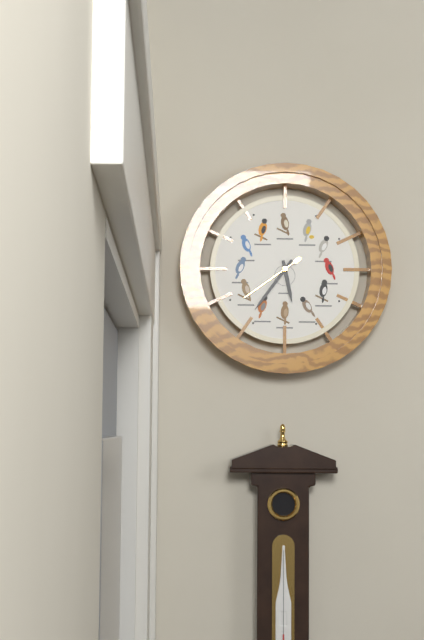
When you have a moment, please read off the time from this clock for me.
5:36:39
